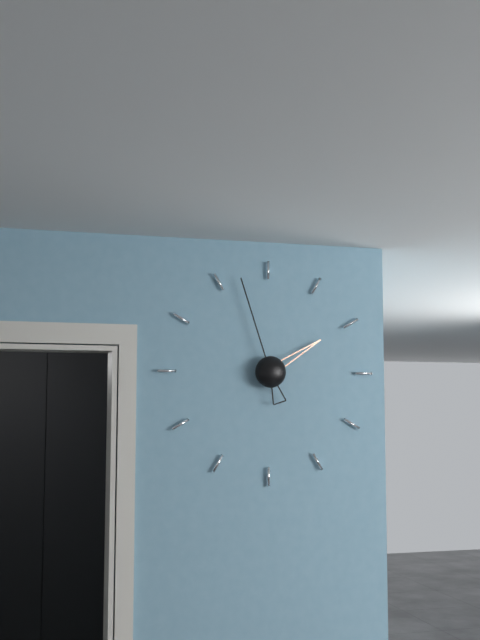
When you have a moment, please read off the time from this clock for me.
1:57
